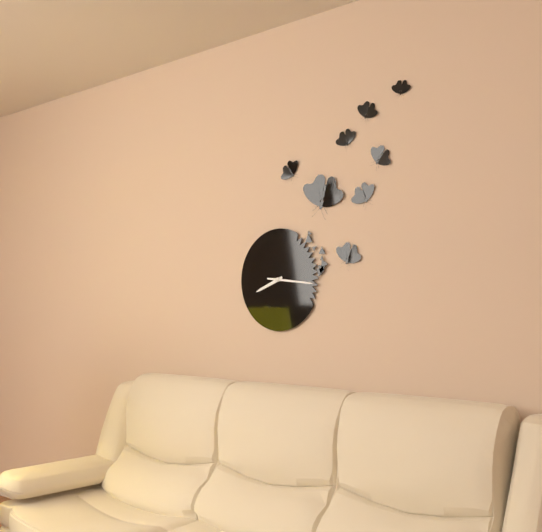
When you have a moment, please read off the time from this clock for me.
8:16
